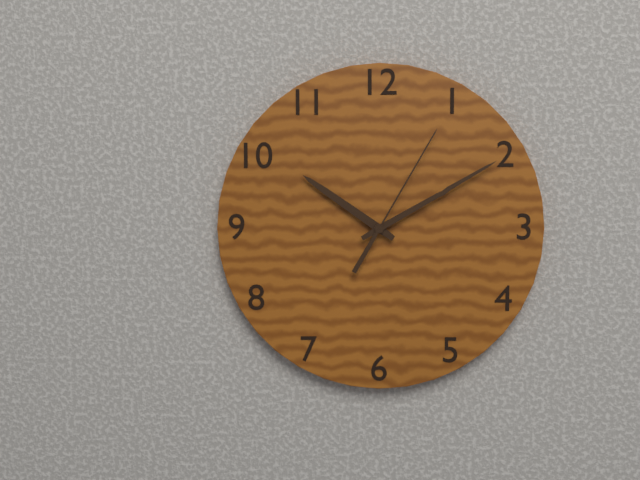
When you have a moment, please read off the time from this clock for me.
10:10:05
